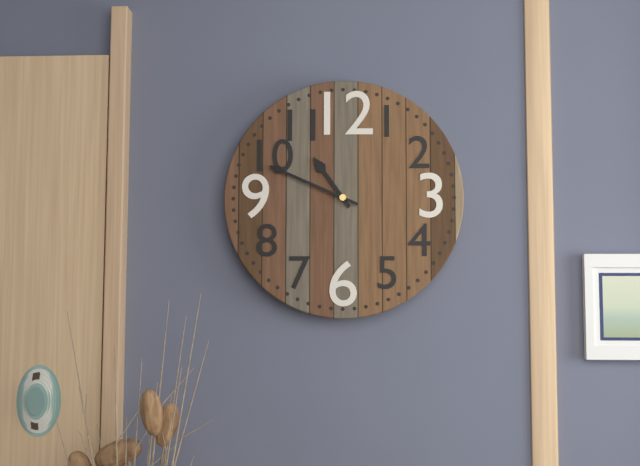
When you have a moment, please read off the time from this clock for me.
10:49
